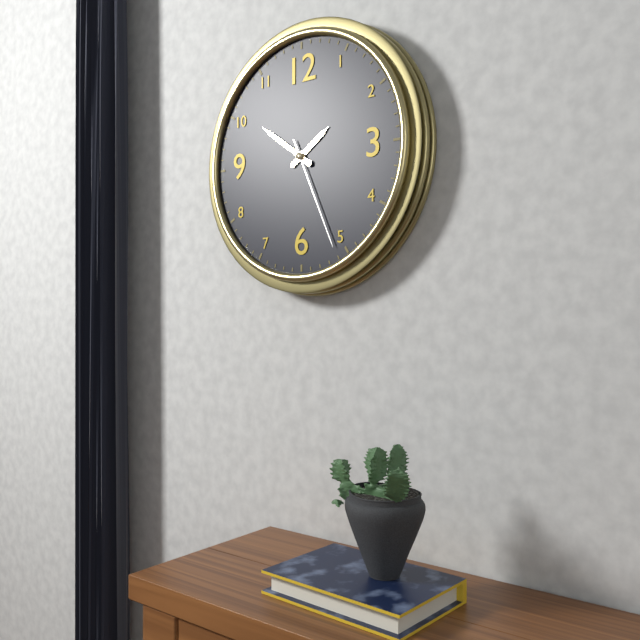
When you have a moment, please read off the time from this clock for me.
1:51:26
